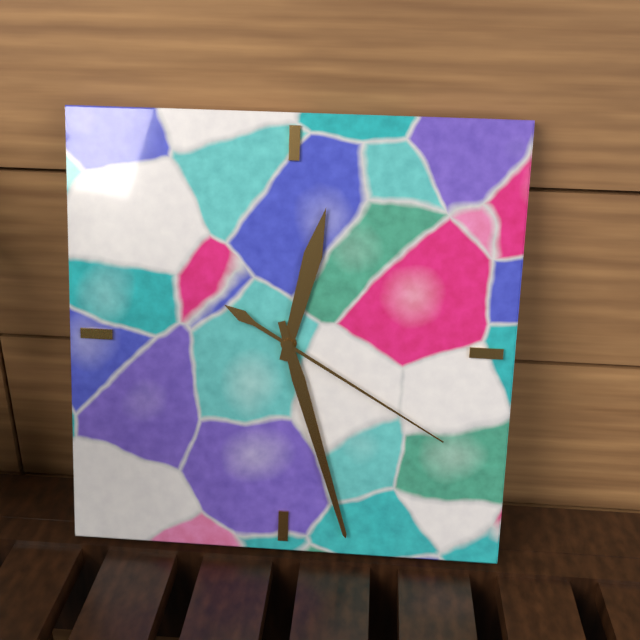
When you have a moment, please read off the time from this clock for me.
12:27:20
